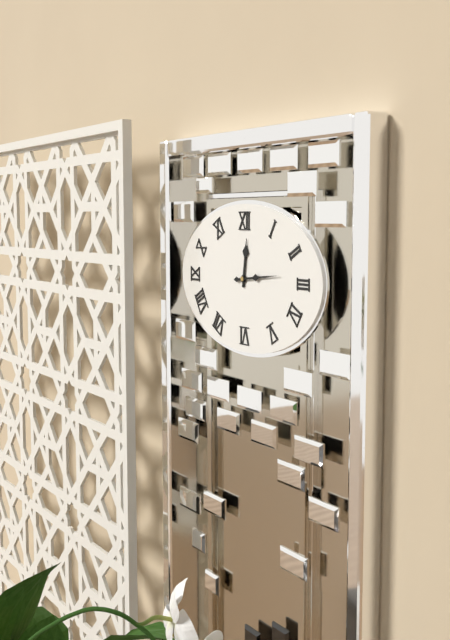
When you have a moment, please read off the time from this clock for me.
12:14
